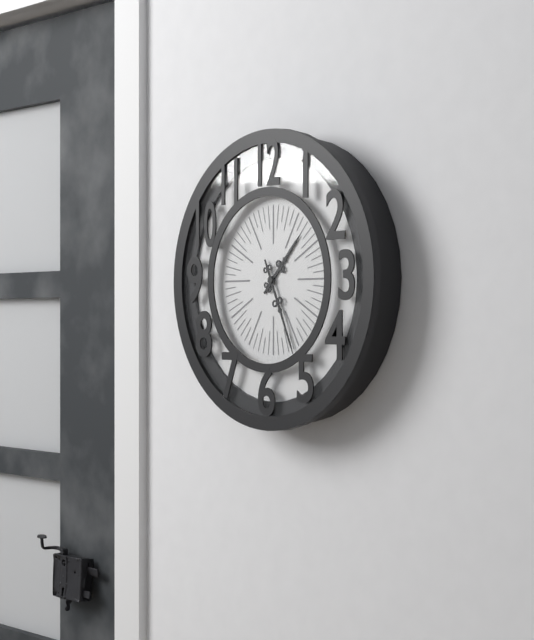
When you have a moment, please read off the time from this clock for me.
1:26
